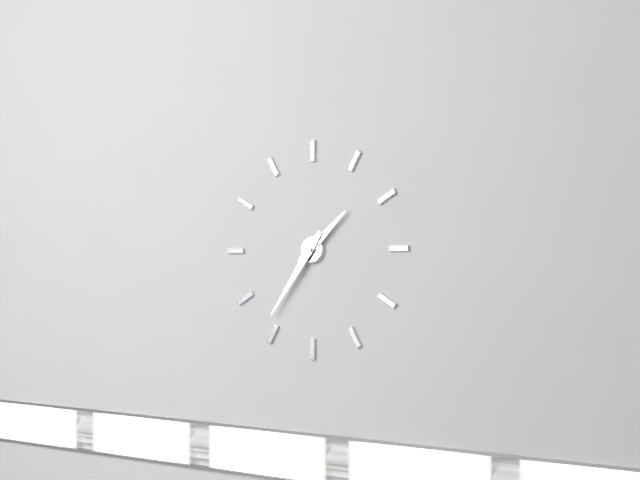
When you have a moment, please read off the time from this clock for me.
1:36
